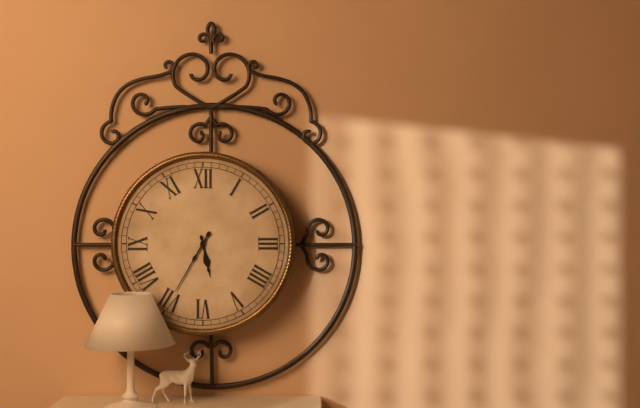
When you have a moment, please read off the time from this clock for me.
5:35
